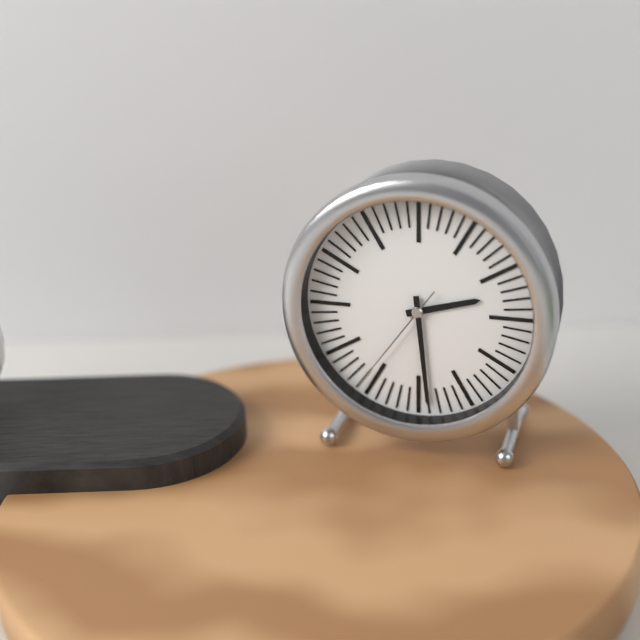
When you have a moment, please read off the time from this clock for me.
2:29:36
